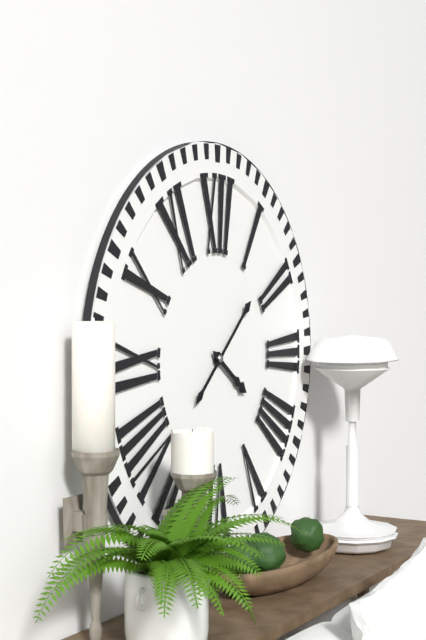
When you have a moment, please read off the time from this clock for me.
4:08
